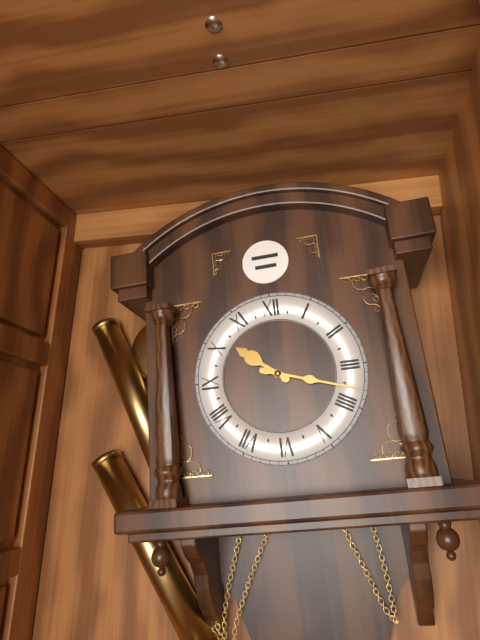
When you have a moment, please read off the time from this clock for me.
10:18
